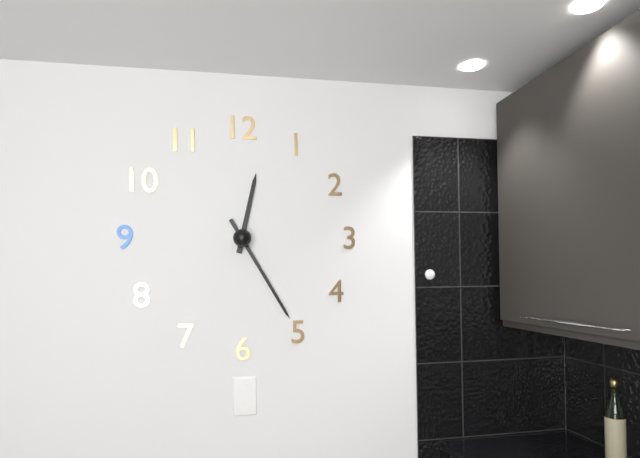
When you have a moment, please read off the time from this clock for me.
12:25
